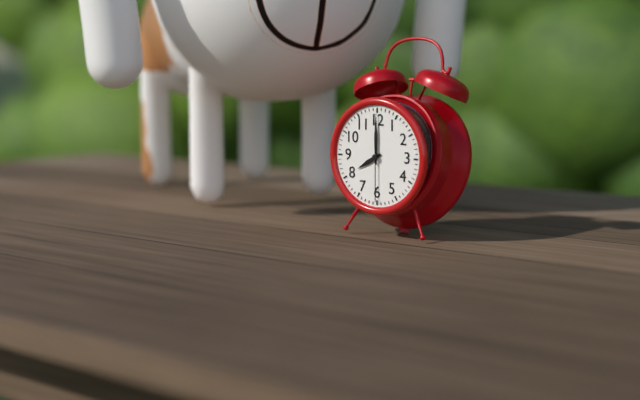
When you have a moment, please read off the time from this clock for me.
8:00:30
